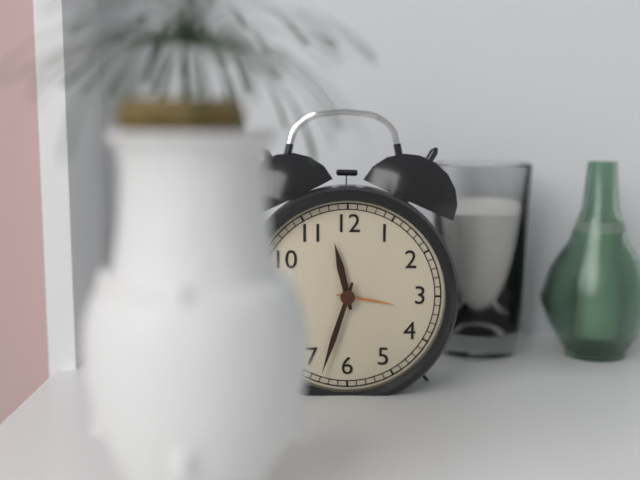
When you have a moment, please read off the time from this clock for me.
11:33
